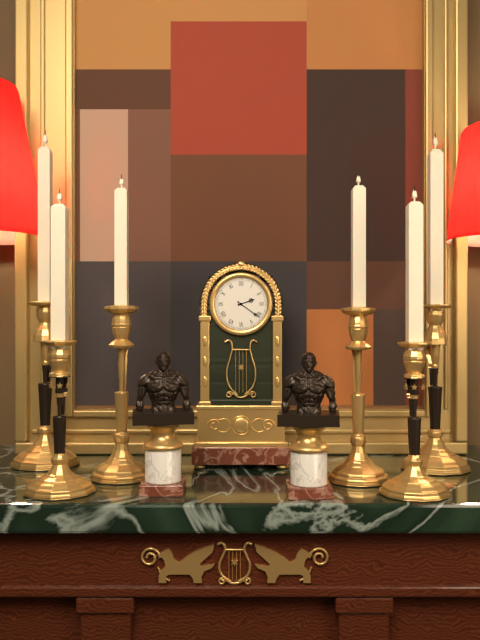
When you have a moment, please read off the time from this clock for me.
2:21
